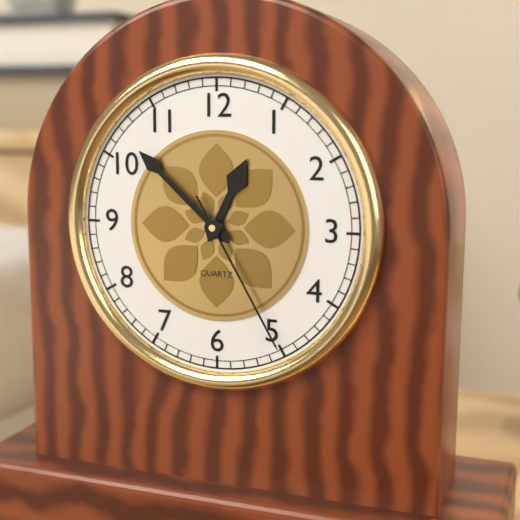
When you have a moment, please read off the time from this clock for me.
12:52:25
